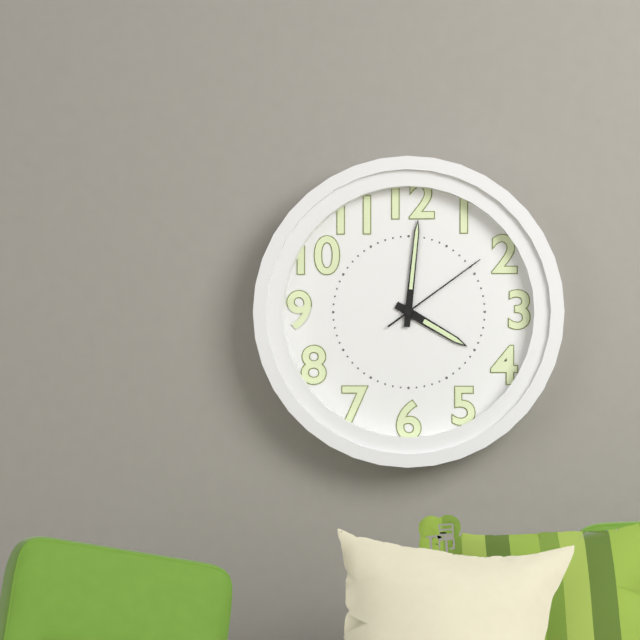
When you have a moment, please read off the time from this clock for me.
4:01:09
